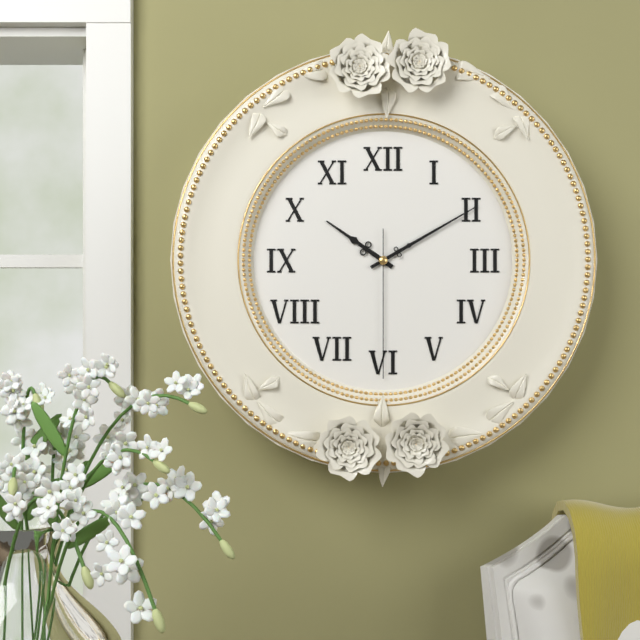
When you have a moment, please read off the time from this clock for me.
10:10:30
